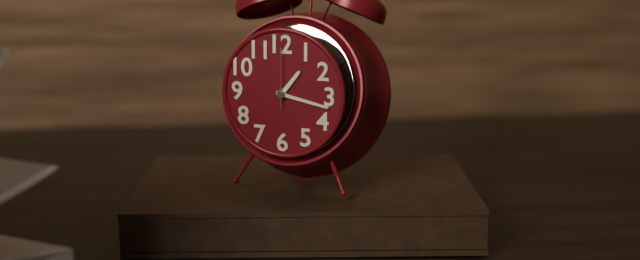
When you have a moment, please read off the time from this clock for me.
1:17:00
